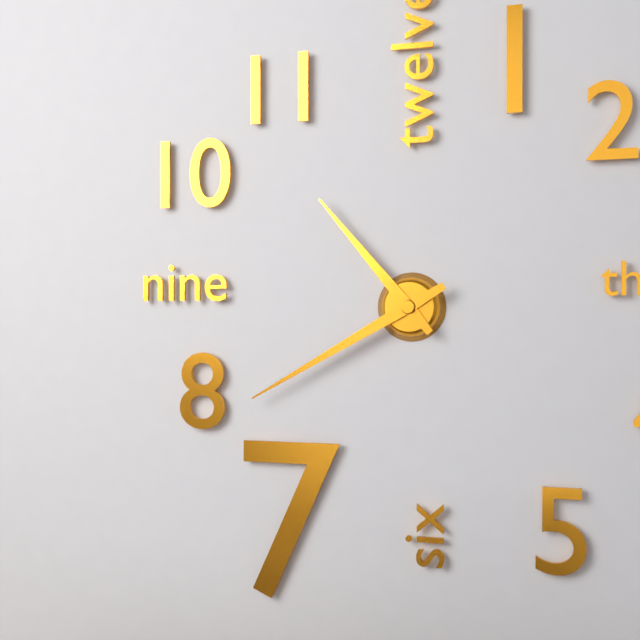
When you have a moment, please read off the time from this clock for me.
10:40
